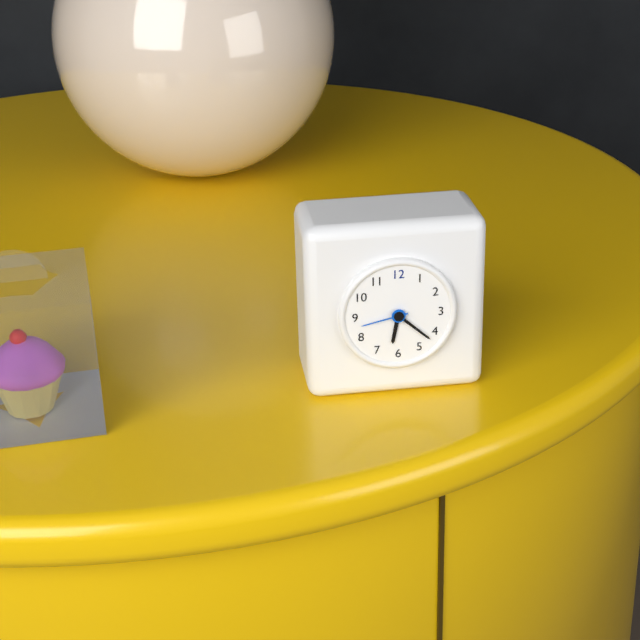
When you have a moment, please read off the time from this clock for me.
6:22
